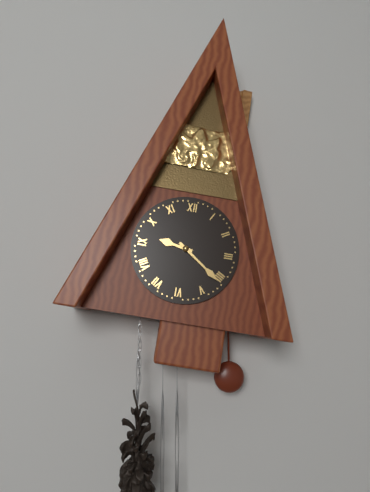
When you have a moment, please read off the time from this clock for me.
9:21
